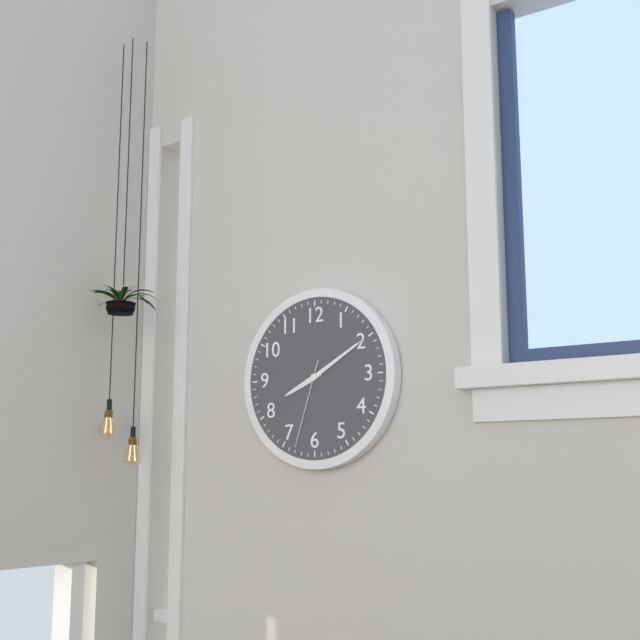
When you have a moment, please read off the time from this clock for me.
8:10:33
